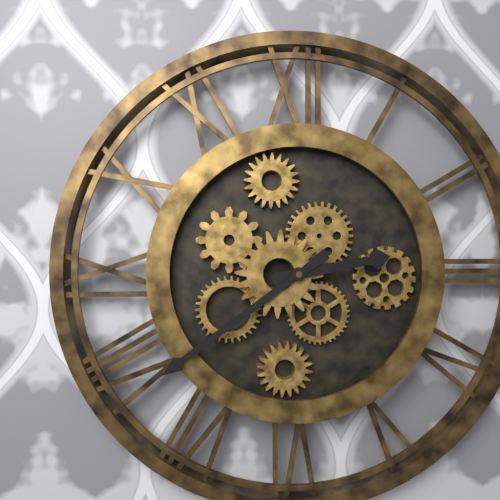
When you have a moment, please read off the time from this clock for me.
2:39
